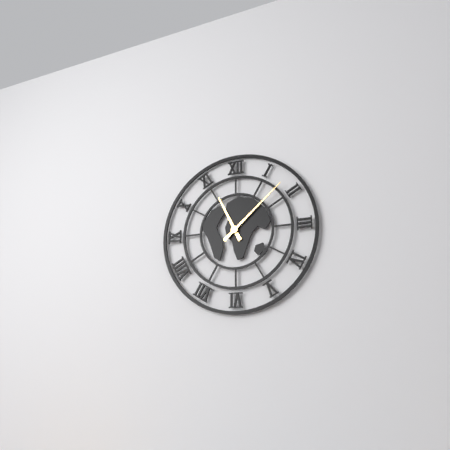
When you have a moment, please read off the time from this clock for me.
11:08
